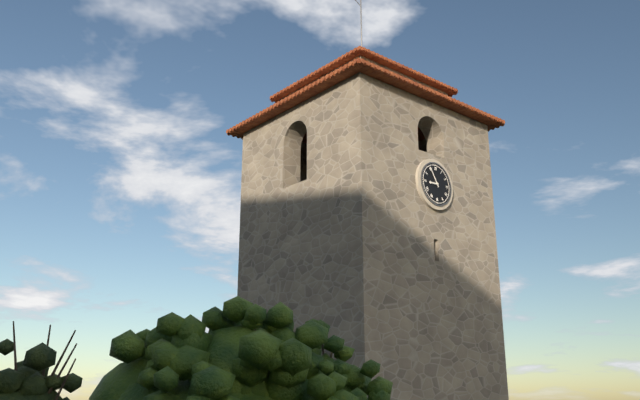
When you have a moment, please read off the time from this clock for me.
8:55
